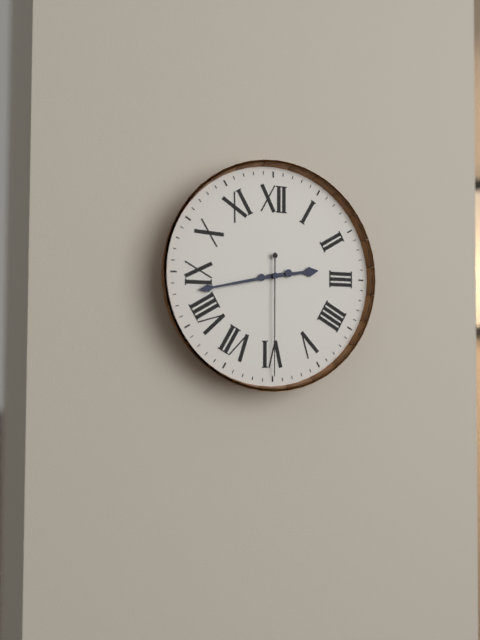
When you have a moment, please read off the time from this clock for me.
2:43:30
